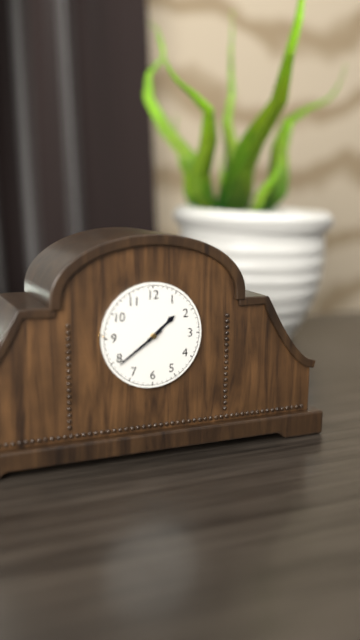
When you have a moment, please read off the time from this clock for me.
1:39
